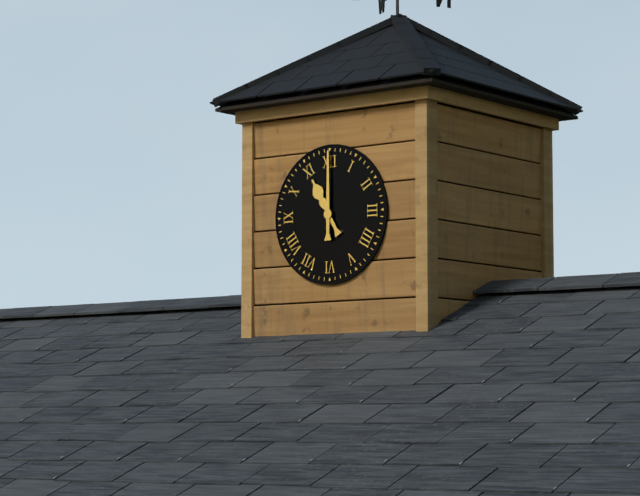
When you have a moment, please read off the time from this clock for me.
11:00
